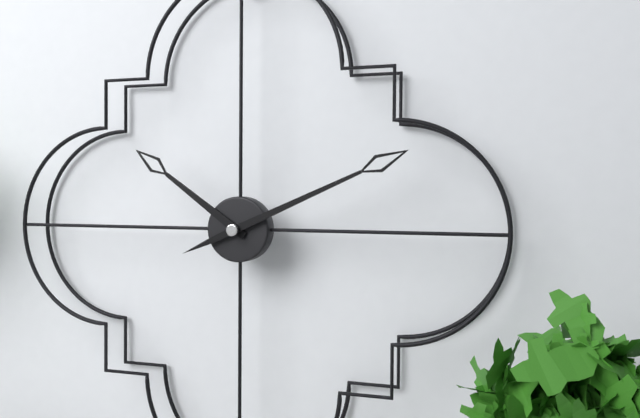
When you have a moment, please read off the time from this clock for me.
10:11
